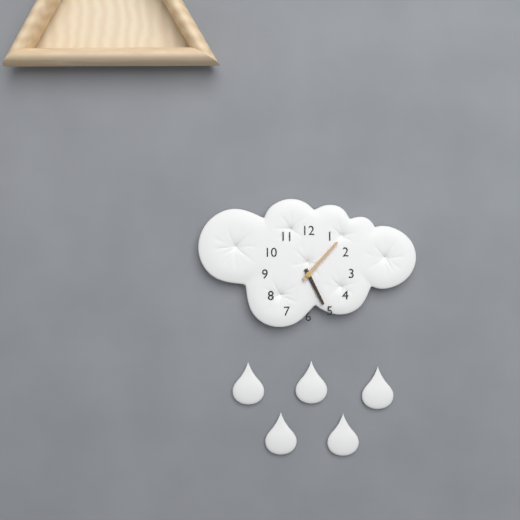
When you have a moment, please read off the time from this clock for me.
5:07
